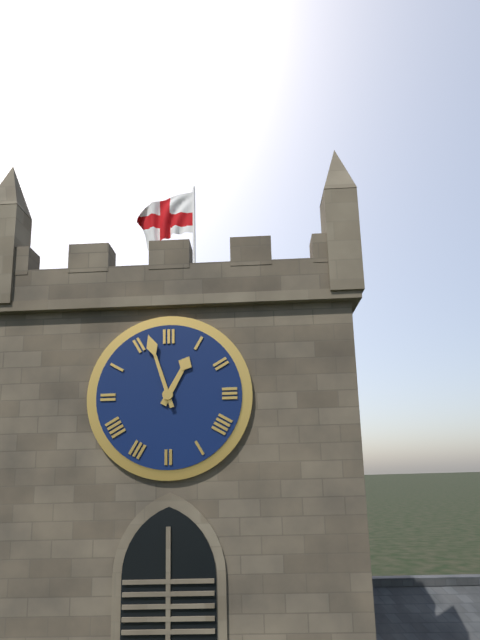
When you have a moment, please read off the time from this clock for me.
12:57
